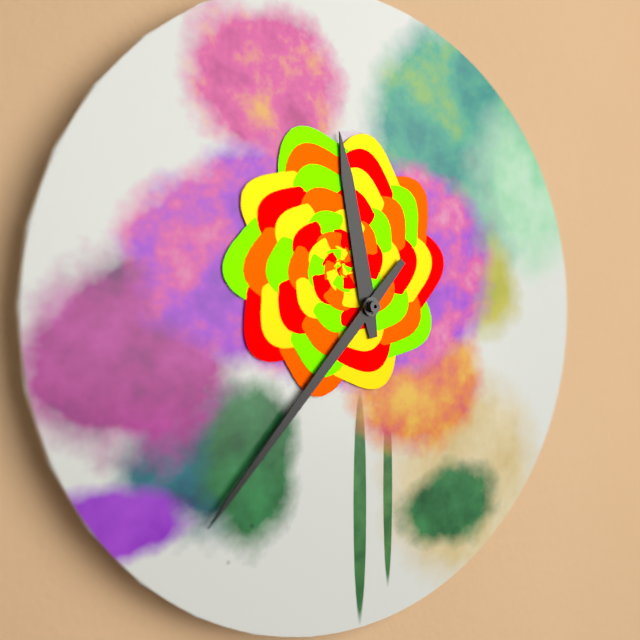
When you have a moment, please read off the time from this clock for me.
11:37
